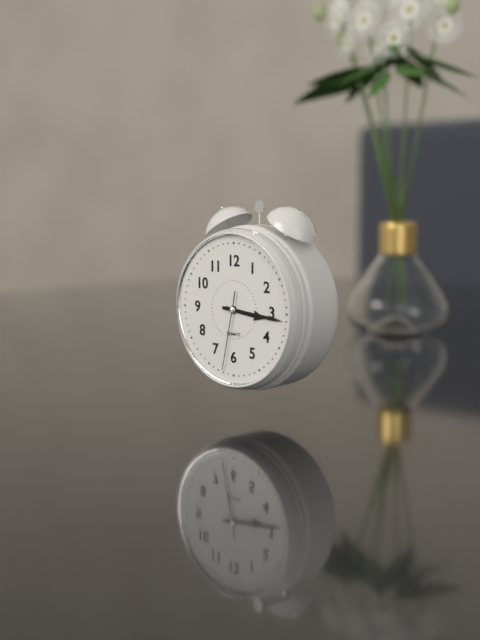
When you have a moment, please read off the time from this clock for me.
3:16:32
